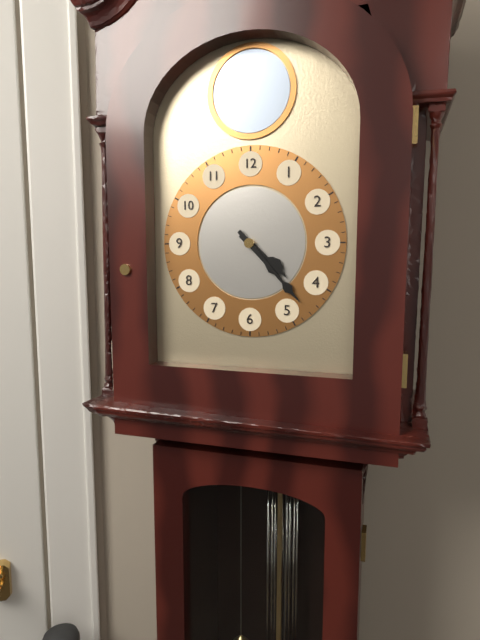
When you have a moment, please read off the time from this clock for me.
4:23
